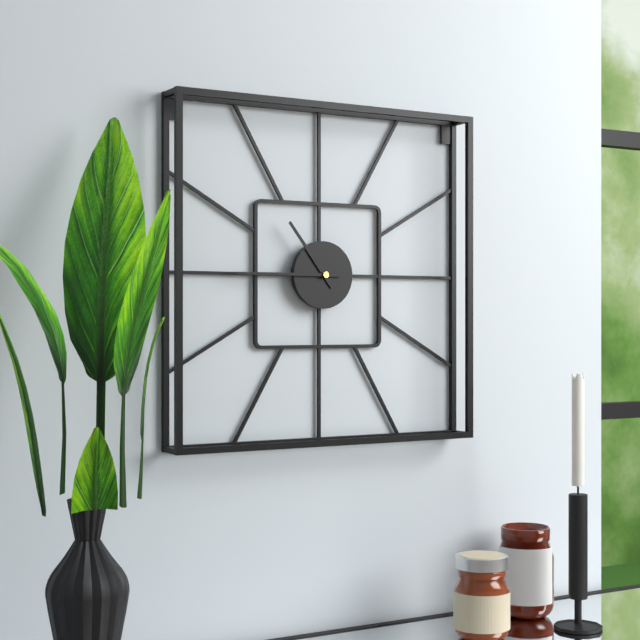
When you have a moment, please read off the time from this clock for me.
10:45
